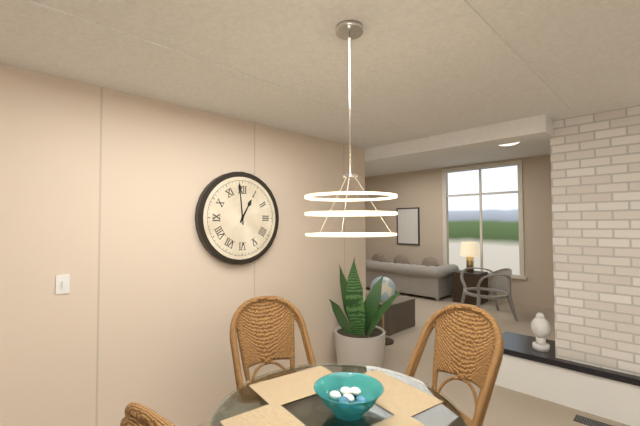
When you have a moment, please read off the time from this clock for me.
12:59
